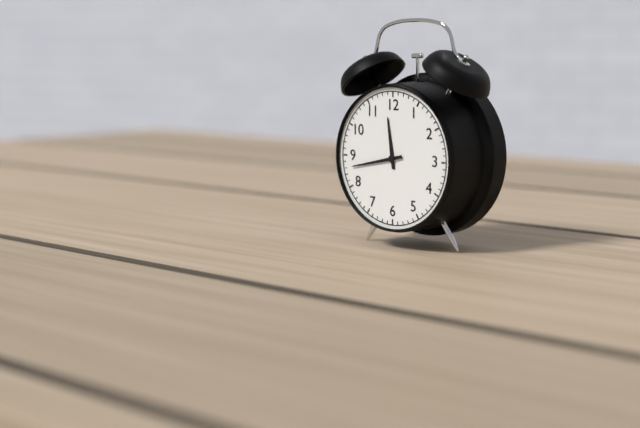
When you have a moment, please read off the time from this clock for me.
11:43
